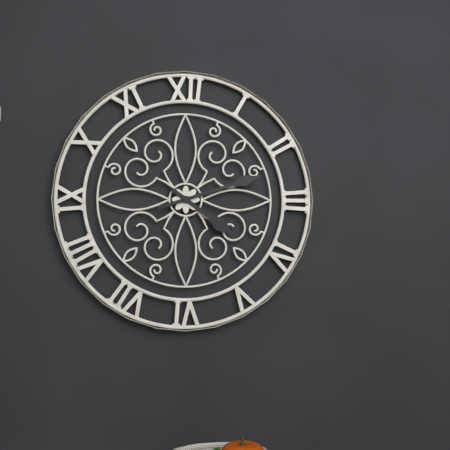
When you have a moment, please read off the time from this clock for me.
4:12
